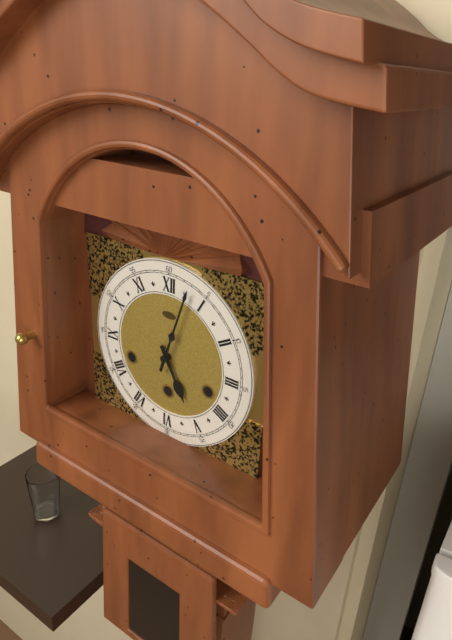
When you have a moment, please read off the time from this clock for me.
5:03
